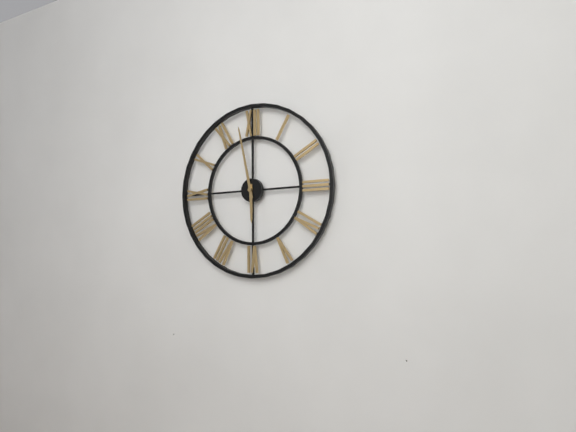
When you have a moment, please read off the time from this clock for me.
5:58
